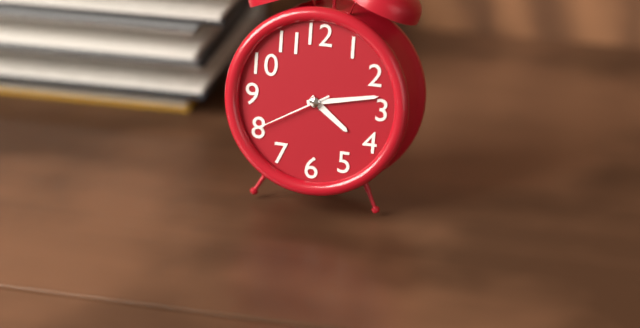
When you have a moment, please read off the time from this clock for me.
4:13:40
